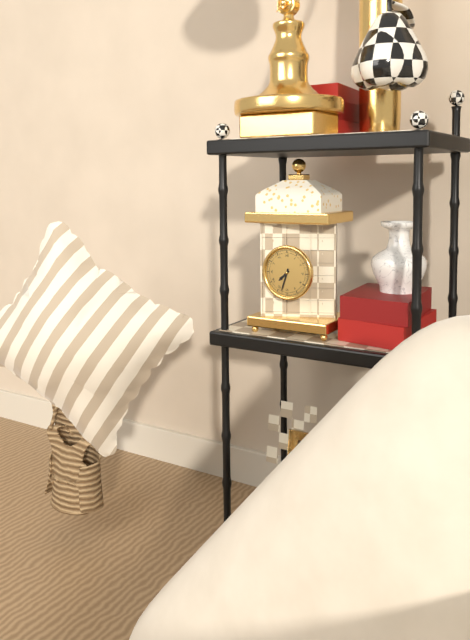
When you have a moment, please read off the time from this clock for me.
7:33
